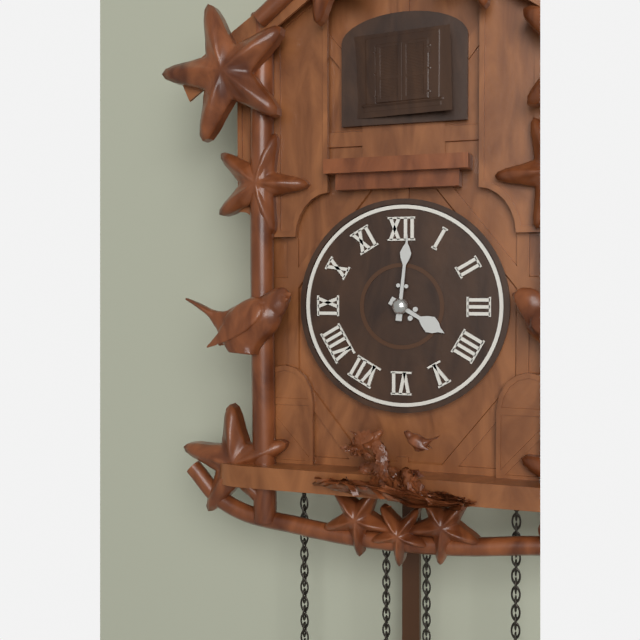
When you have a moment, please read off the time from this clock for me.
4:01
